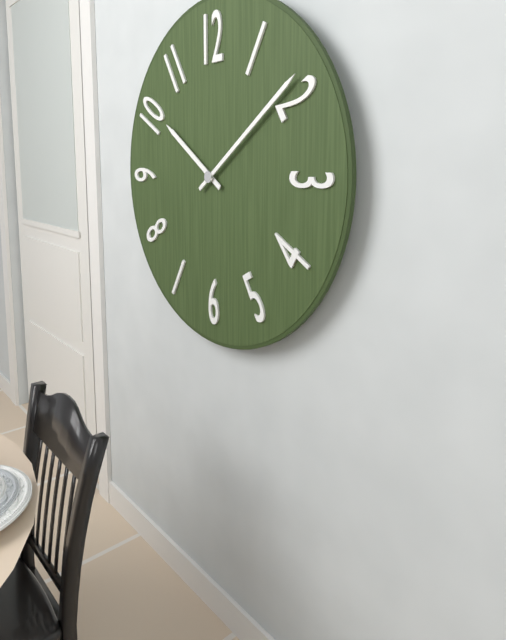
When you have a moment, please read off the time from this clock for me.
10:09
